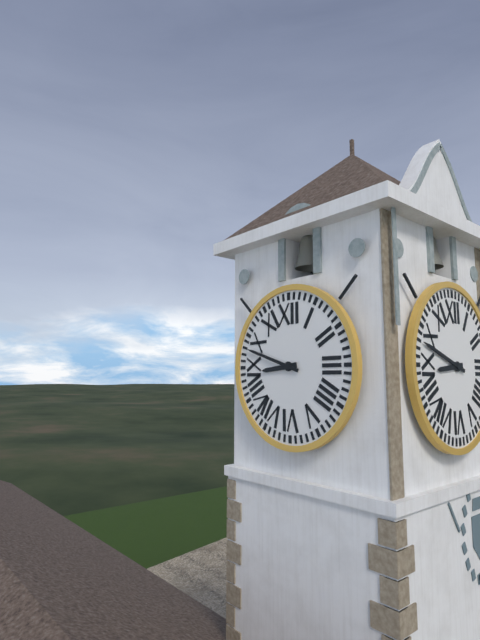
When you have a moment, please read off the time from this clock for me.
8:48
